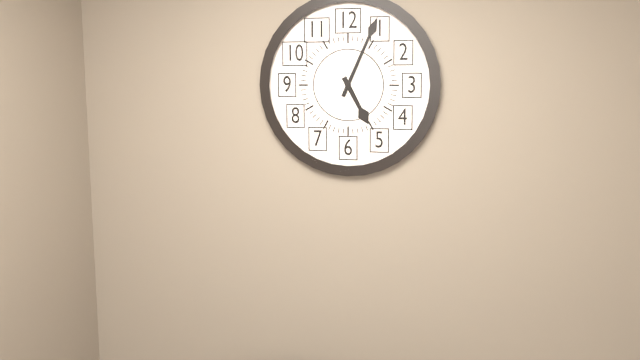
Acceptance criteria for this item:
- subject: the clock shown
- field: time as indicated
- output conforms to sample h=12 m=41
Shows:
h=5 m=4
